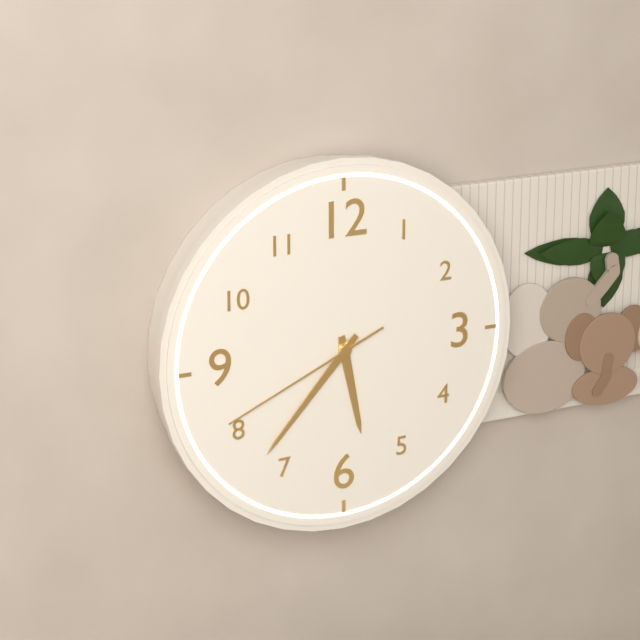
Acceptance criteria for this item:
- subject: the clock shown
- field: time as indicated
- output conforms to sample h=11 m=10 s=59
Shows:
h=5 m=37 s=41
